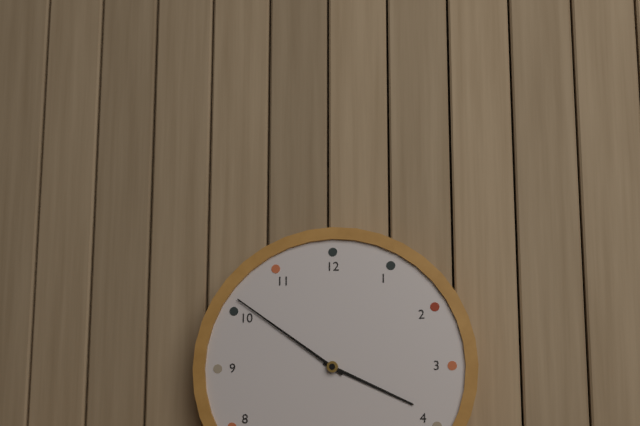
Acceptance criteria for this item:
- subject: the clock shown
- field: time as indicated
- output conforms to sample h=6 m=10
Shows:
h=3 m=51
